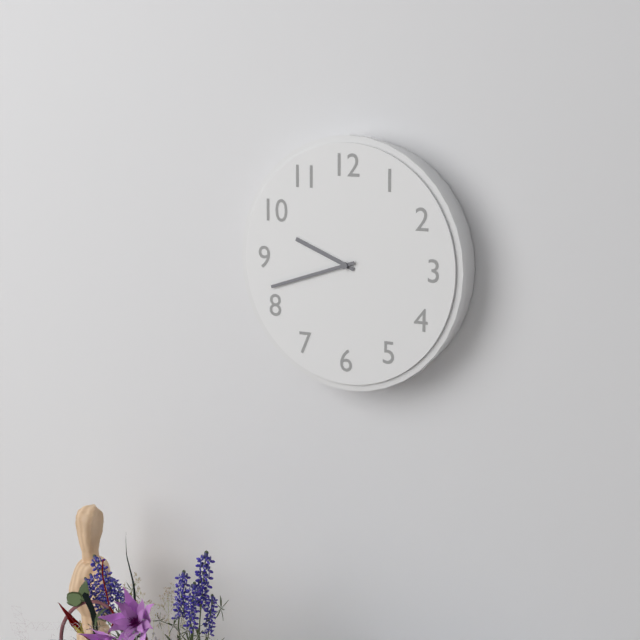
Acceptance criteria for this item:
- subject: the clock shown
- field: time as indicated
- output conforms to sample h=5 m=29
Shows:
h=9 m=42
